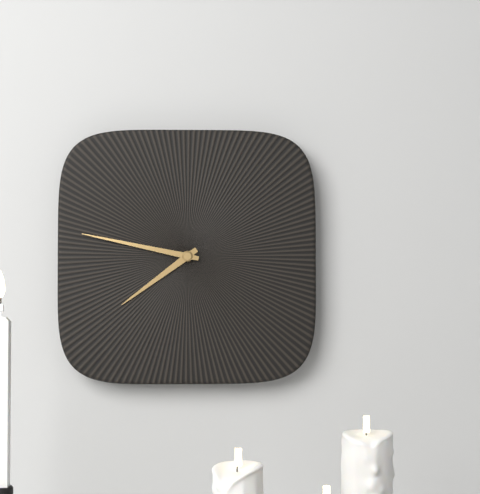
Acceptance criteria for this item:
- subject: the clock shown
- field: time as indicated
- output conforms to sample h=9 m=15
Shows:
h=7 m=47
